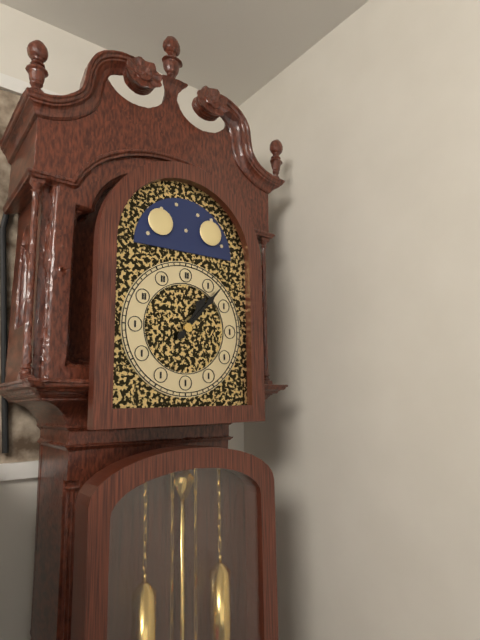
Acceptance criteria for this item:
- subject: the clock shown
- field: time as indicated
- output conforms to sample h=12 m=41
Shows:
h=1 m=7
